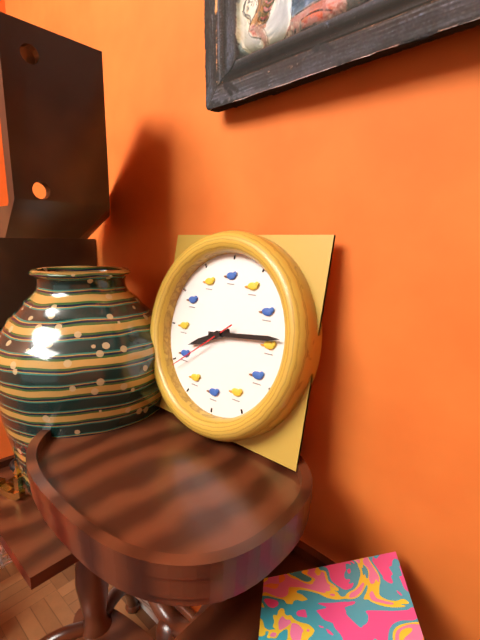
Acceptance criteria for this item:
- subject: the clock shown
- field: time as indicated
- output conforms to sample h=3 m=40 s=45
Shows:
h=8 m=14 s=39
